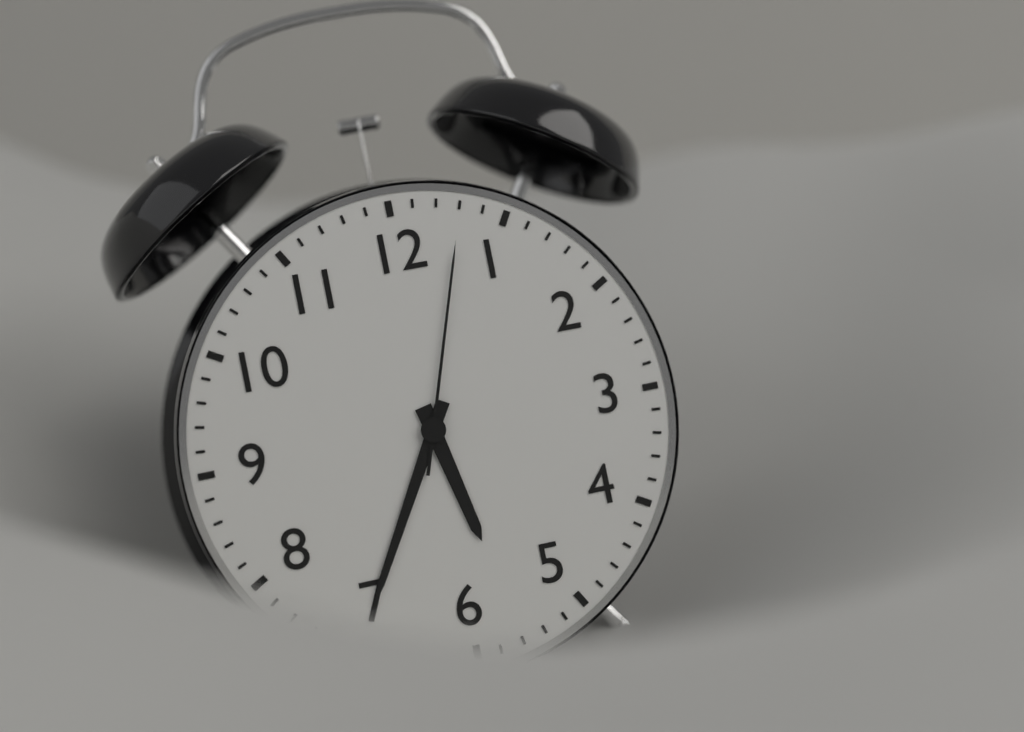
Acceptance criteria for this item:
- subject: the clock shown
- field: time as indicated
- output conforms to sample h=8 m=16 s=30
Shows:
h=5 m=35 s=3
